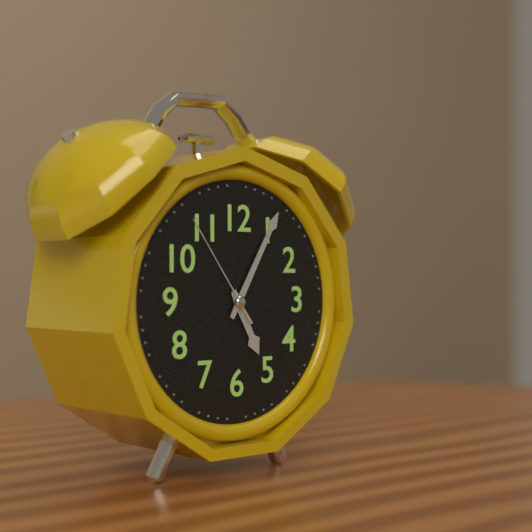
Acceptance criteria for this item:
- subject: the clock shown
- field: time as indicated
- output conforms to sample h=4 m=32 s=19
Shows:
h=5 m=5 s=54
